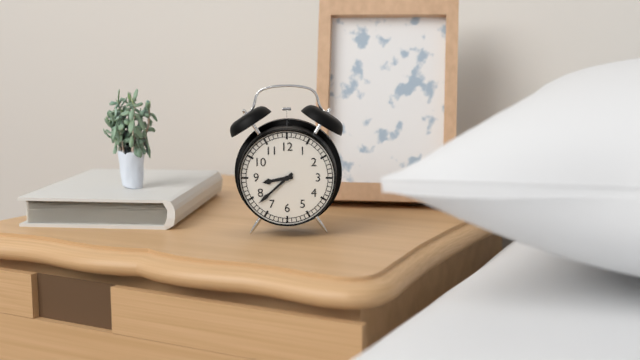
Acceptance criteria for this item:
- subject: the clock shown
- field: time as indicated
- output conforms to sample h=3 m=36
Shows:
h=8 m=38
